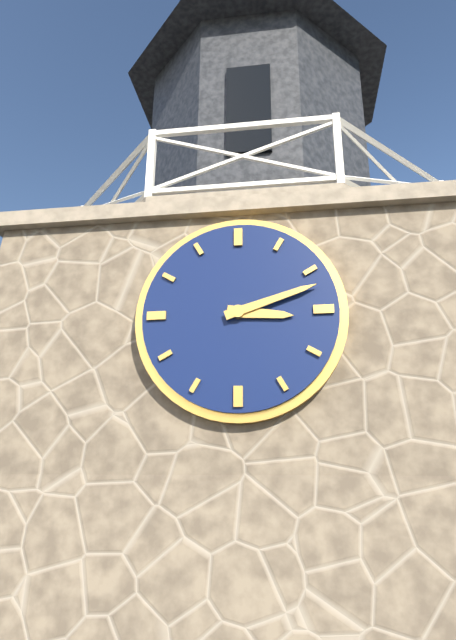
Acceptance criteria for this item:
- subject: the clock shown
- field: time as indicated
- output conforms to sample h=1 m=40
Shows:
h=3 m=12
